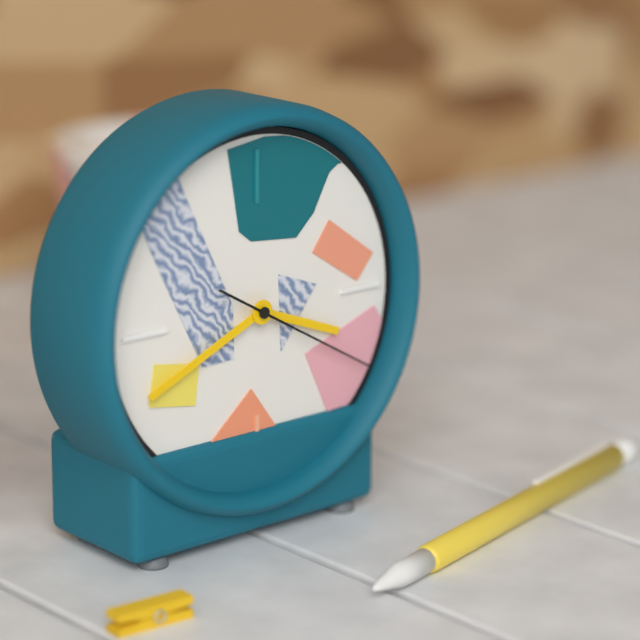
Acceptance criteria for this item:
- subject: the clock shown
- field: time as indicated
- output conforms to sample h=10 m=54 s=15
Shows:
h=3 m=41 s=20
